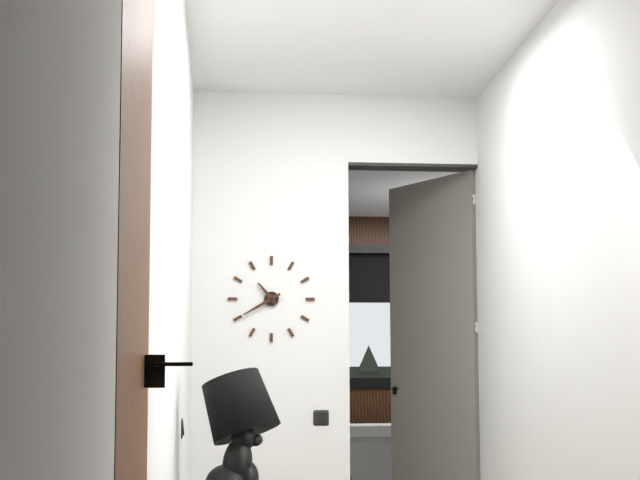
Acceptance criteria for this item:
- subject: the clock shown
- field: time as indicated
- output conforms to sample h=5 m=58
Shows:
h=10 m=40
